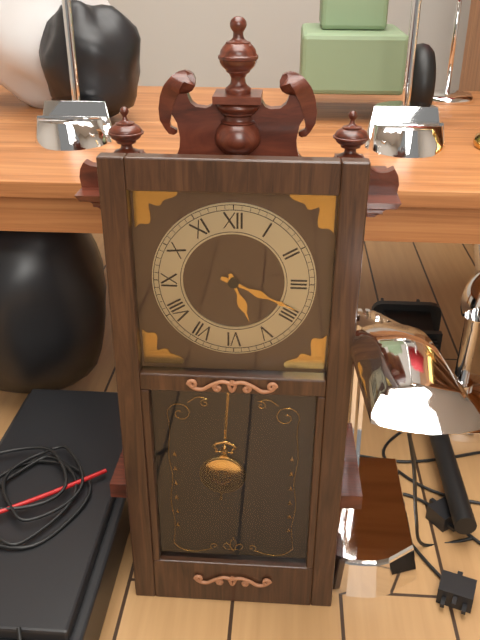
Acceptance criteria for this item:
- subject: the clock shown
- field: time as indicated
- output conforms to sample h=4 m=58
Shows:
h=5 m=19
